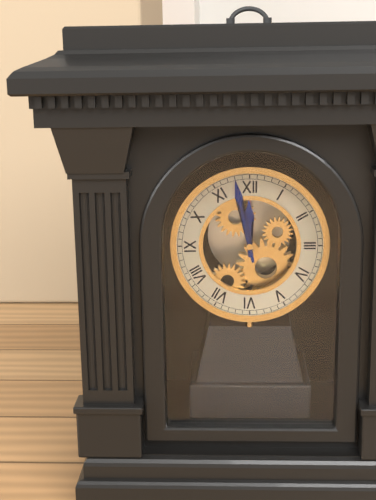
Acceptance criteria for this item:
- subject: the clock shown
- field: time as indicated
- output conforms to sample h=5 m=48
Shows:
h=11 m=58
